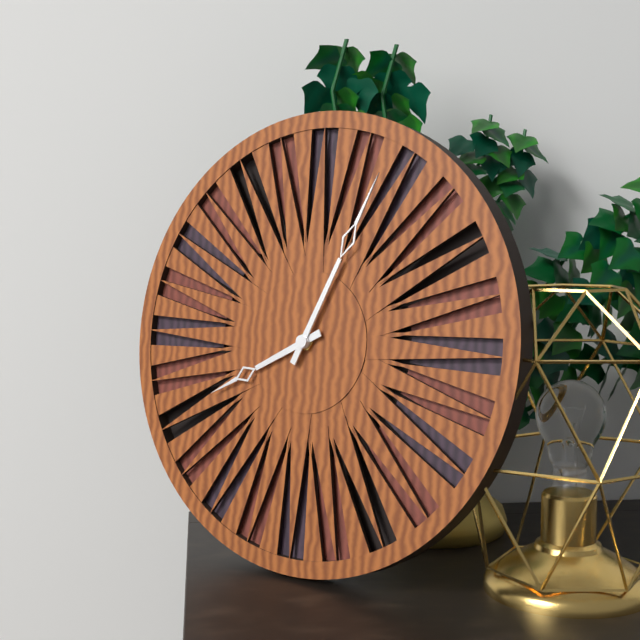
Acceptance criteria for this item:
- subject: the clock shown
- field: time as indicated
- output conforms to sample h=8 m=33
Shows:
h=8 m=4
